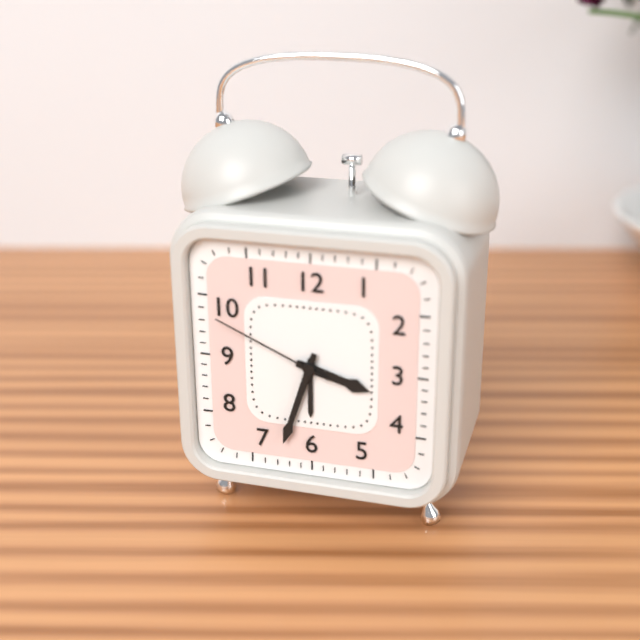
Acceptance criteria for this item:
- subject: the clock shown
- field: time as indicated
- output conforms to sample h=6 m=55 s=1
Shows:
h=3 m=33 s=49
